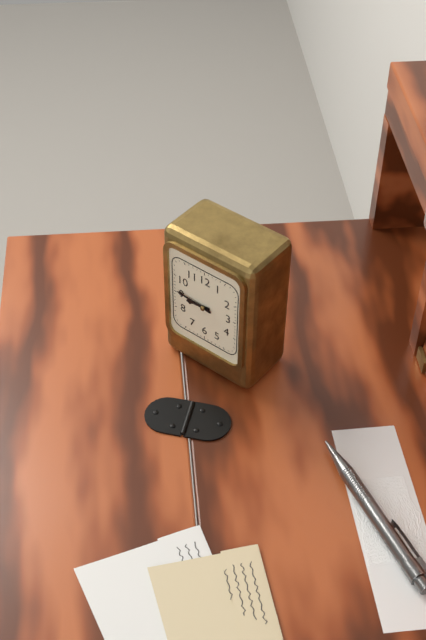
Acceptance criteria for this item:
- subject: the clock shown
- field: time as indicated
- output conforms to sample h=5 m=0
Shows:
h=8 m=46
